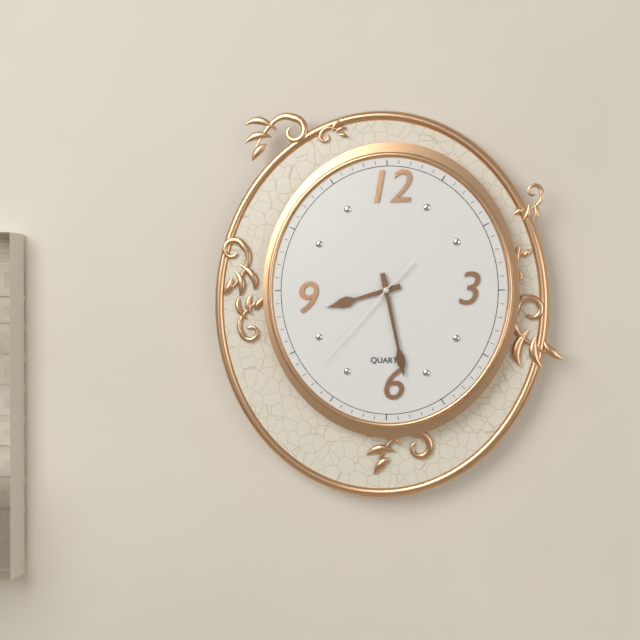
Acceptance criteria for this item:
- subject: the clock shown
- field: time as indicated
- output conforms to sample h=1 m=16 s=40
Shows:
h=8 m=28 s=37
